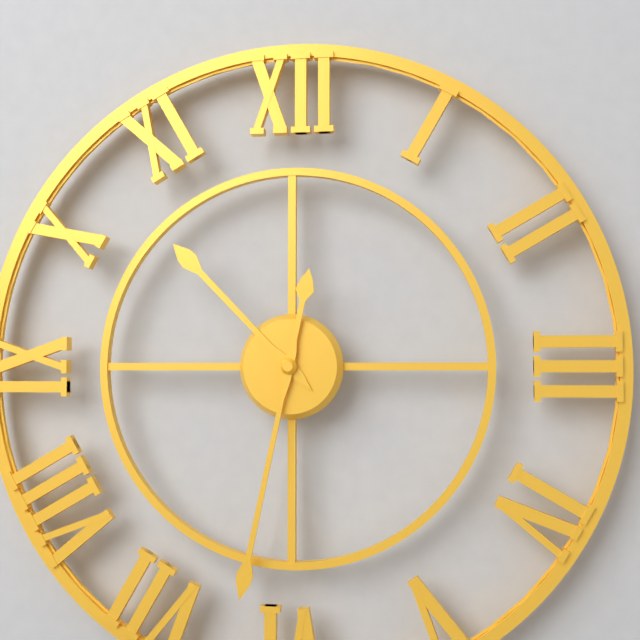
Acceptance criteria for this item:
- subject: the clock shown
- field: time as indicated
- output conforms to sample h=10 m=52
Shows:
h=10 m=32
